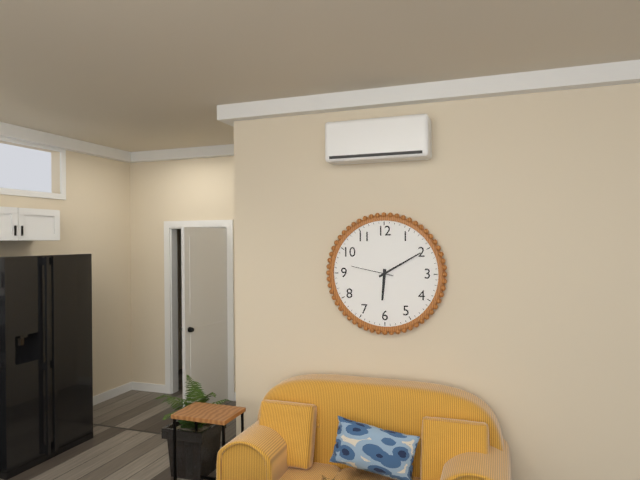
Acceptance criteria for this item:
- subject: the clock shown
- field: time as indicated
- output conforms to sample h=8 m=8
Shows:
h=6 m=10
